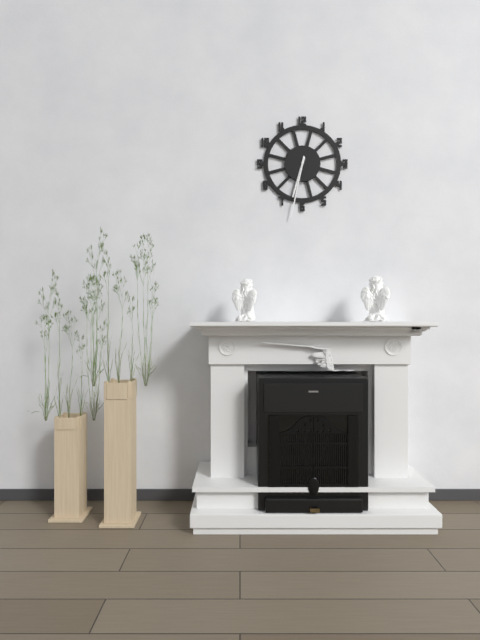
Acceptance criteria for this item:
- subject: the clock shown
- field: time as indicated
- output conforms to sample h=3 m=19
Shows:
h=6 m=32
